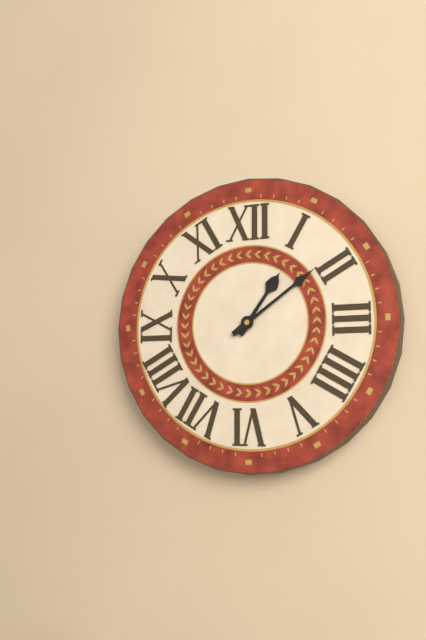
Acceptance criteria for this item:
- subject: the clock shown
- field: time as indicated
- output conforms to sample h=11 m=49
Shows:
h=1 m=9
